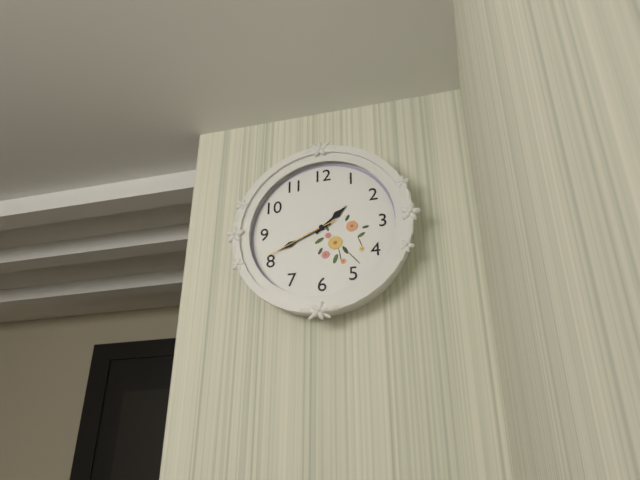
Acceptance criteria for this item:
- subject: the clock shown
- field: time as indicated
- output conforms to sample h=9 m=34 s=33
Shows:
h=1 m=41 s=41
